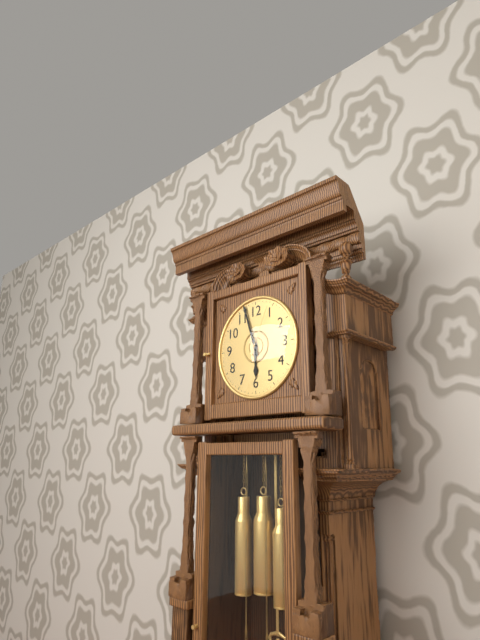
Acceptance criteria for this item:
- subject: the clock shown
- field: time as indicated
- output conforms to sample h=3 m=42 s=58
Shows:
h=5 m=57 s=4
